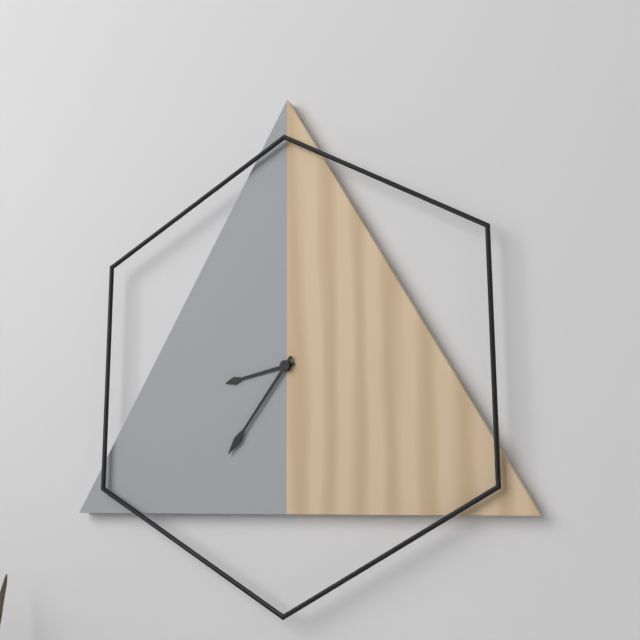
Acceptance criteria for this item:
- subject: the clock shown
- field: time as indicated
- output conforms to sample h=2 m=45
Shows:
h=8 m=36
